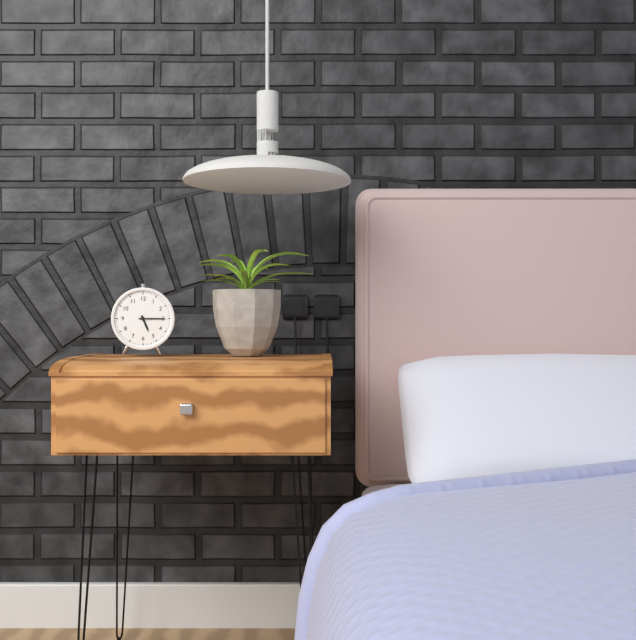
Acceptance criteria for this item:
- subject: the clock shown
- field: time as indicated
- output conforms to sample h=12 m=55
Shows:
h=5 m=15
